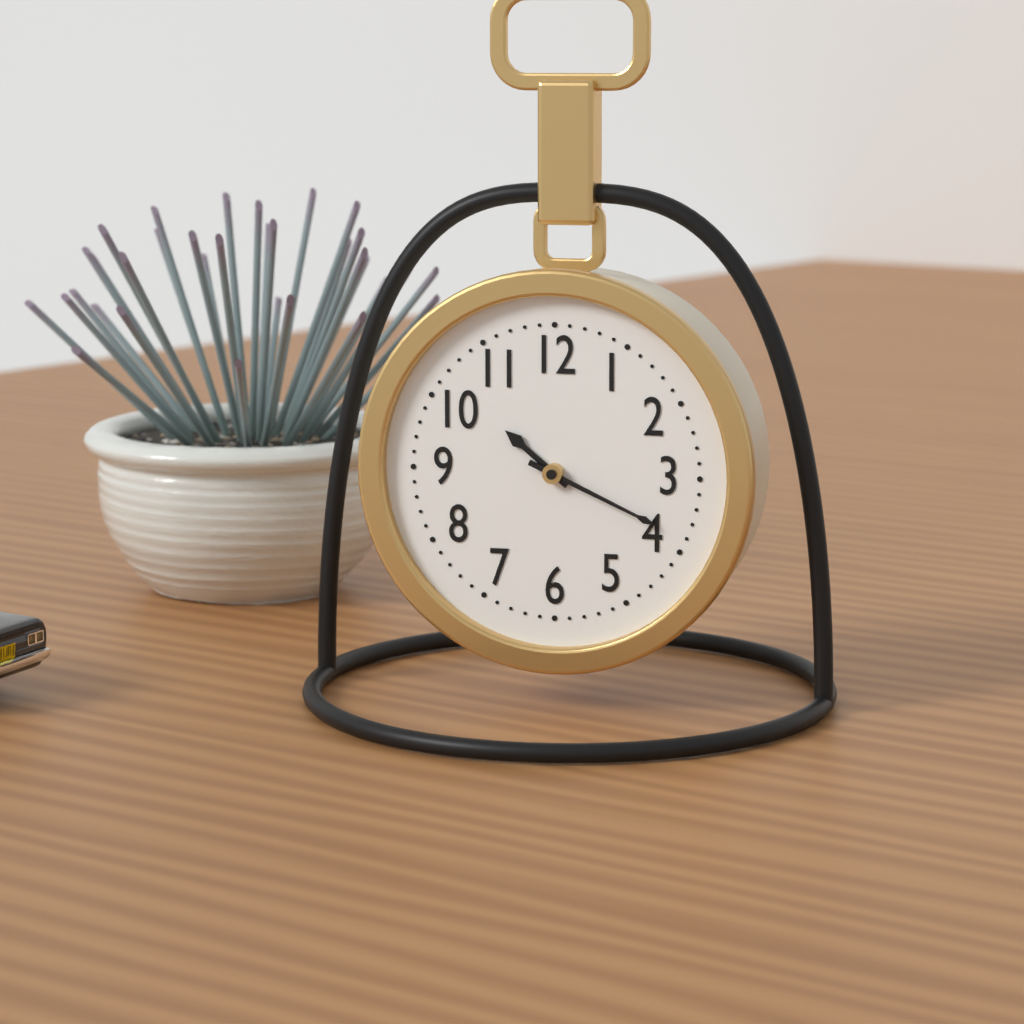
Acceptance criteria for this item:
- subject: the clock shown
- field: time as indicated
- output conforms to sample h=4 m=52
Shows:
h=10 m=19
